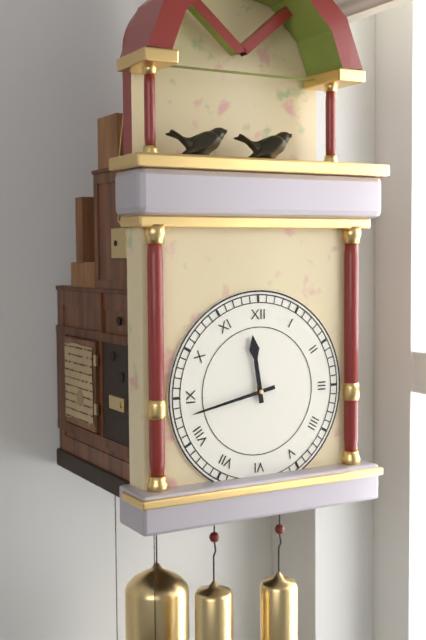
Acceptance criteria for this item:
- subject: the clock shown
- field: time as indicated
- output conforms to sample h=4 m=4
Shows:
h=11 m=43
